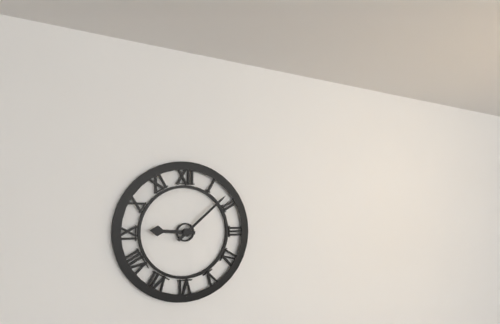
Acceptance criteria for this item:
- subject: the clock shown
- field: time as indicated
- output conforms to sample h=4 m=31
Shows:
h=9 m=8
